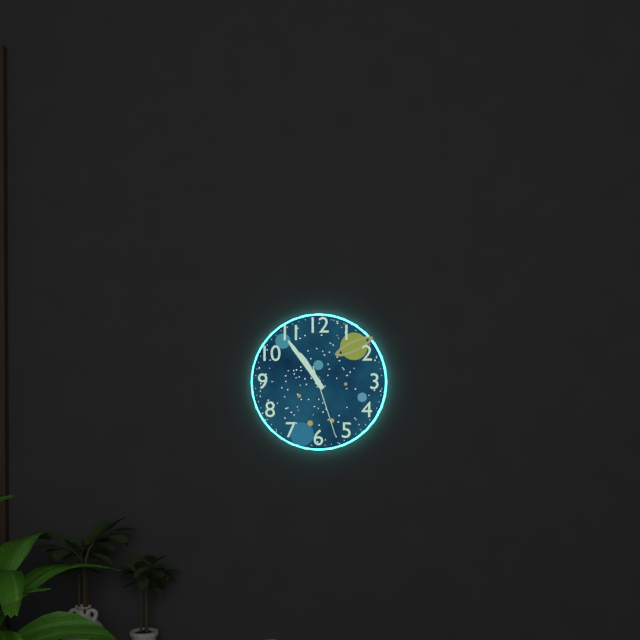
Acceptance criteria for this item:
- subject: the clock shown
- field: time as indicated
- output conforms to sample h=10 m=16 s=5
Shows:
h=10 m=54 s=27
